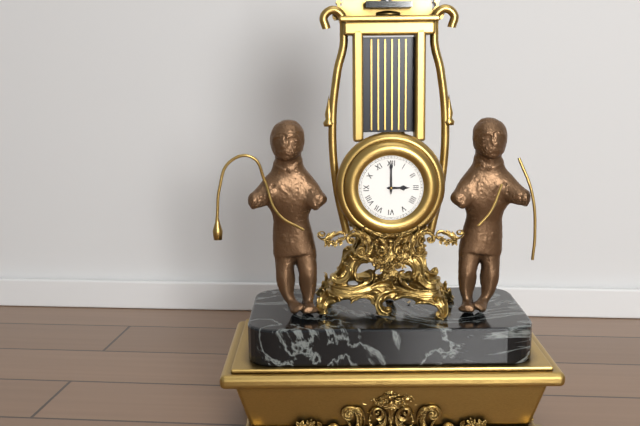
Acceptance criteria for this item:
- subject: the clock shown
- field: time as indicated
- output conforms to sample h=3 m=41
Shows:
h=3 m=0
